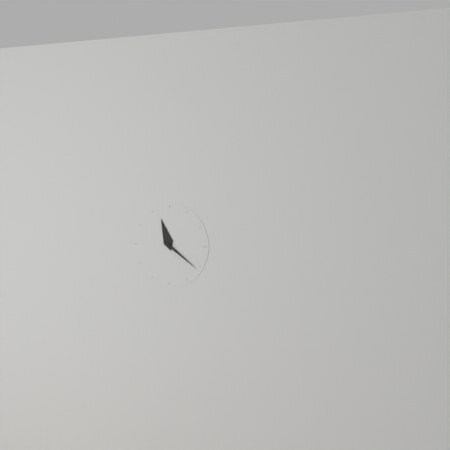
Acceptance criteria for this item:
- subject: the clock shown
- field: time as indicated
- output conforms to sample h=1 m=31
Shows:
h=11 m=21
